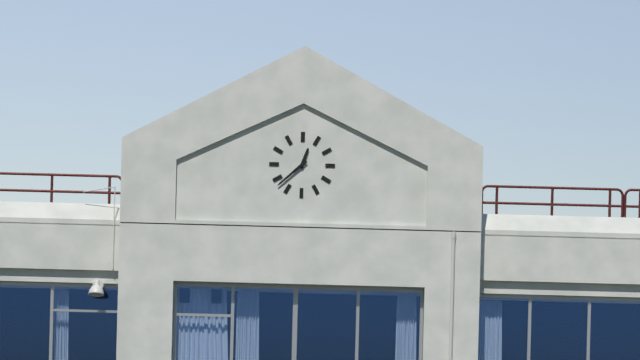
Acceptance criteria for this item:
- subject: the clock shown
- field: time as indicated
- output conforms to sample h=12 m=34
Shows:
h=12 m=38
